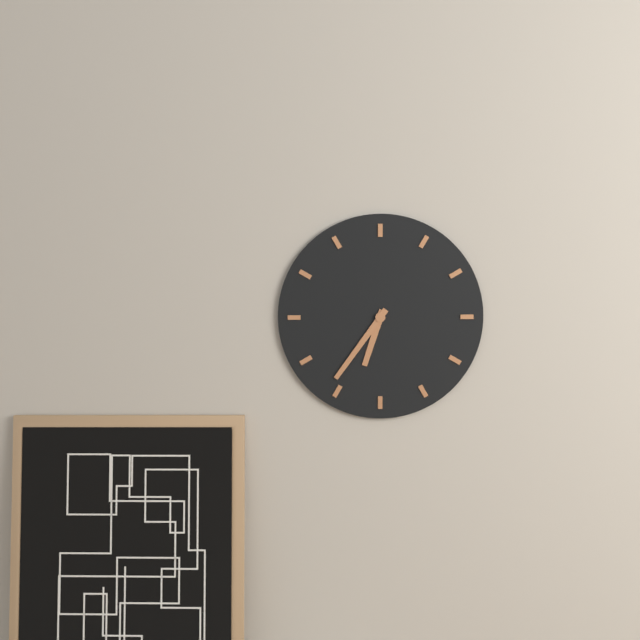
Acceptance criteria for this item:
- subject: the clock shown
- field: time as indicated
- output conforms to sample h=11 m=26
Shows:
h=6 m=36
